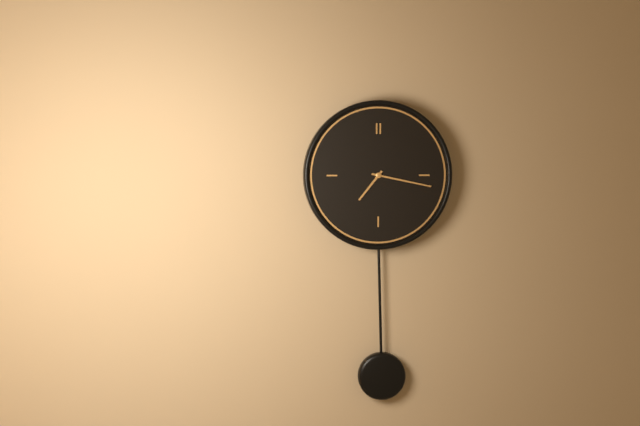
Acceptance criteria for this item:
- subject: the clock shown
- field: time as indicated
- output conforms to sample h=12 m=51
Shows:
h=7 m=17
